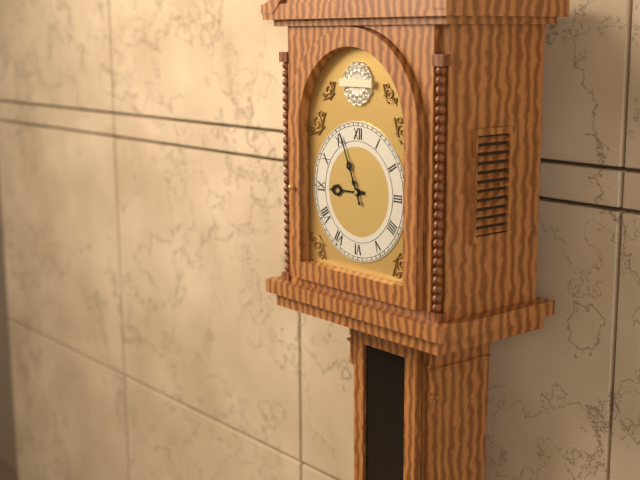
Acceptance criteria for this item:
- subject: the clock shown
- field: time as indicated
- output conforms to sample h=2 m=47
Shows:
h=8 m=56
